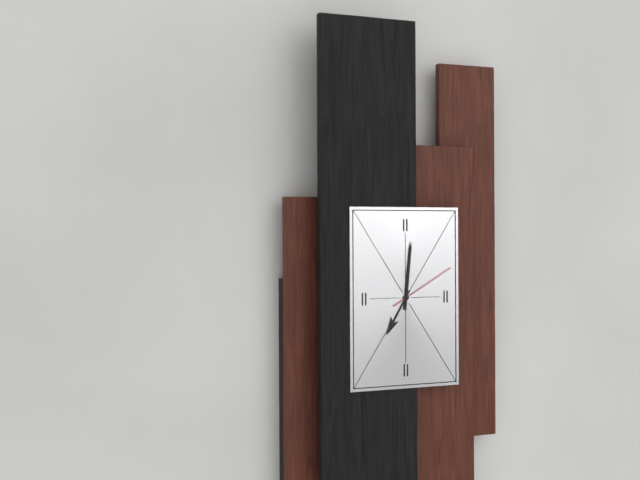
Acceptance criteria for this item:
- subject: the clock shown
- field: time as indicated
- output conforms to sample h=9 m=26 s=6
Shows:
h=7 m=1 s=10
